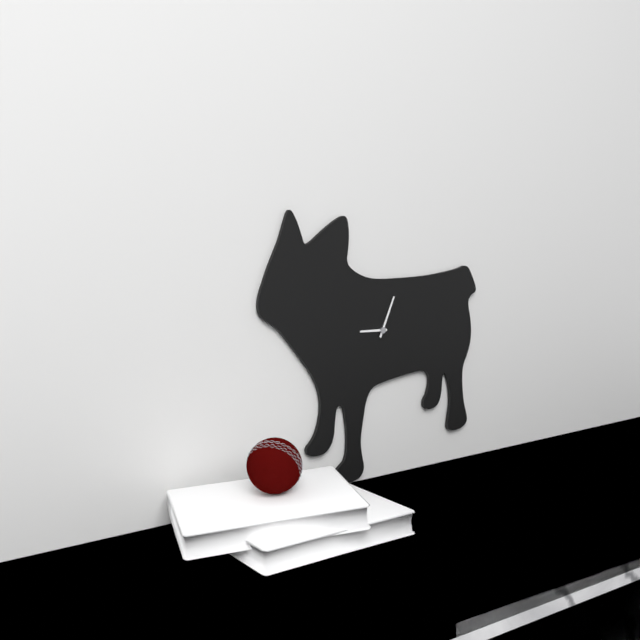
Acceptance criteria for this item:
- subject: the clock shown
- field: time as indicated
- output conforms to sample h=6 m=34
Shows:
h=9 m=4
